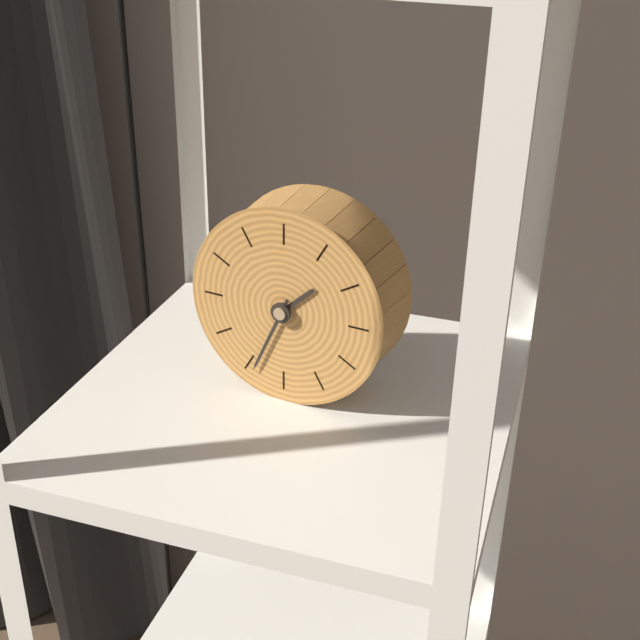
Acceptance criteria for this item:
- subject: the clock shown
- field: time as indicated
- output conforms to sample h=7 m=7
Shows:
h=1 m=34
